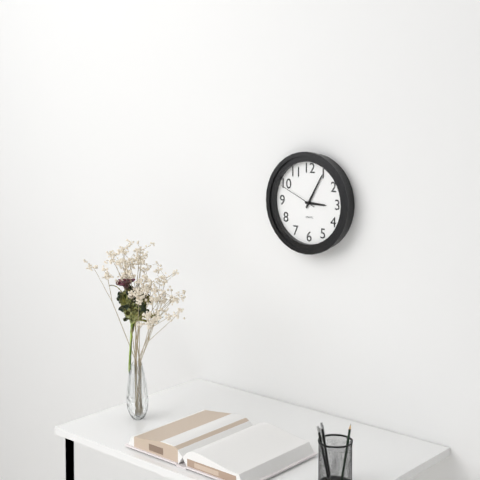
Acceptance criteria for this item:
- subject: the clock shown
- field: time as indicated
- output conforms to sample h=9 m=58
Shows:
h=3 m=5
